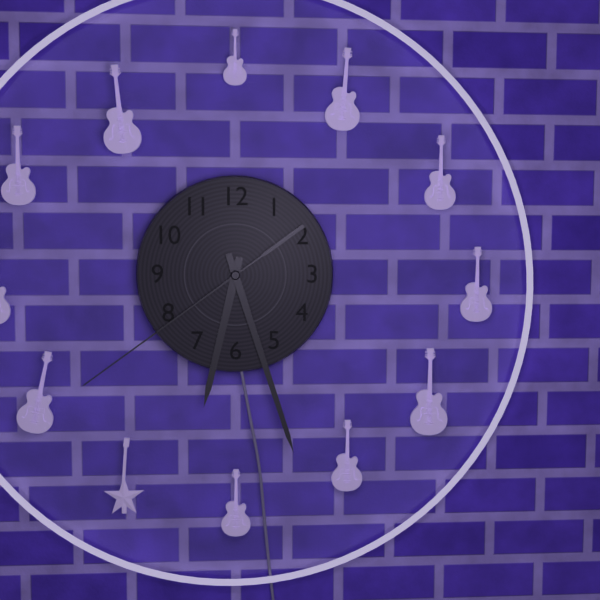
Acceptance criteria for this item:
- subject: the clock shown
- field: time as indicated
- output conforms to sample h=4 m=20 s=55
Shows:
h=6 m=27 s=39
